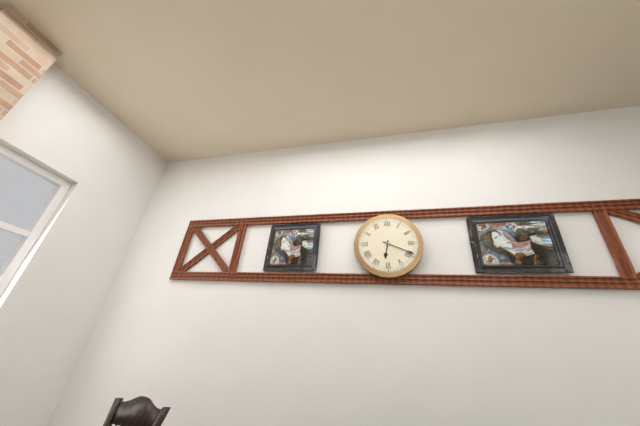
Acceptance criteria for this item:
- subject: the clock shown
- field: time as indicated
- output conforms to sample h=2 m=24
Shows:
h=6 m=19
